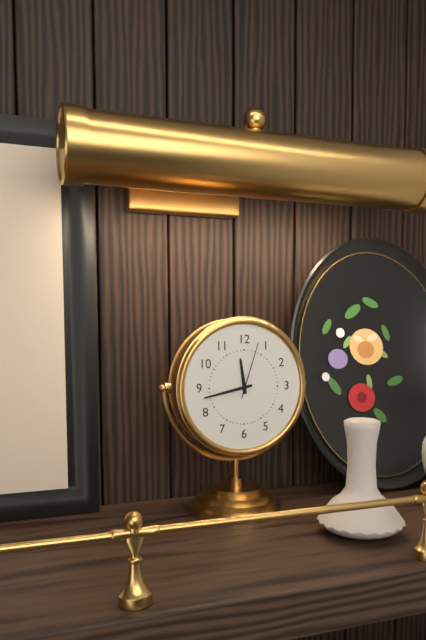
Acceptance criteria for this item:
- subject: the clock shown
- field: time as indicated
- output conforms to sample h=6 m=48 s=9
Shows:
h=11 m=43 s=3
